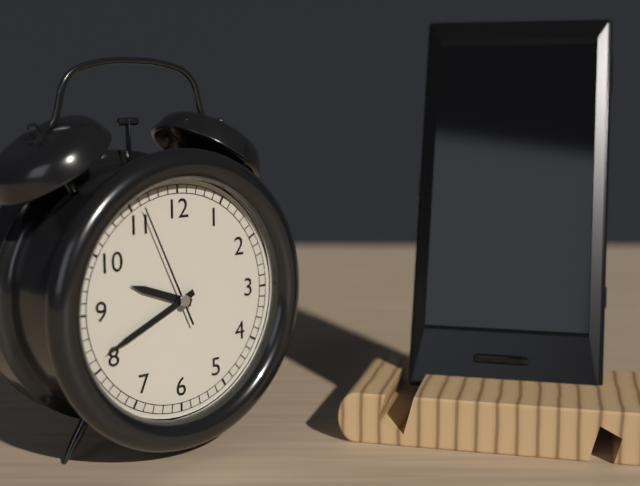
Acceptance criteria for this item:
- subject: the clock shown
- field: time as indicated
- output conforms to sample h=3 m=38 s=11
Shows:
h=9 m=41 s=56
